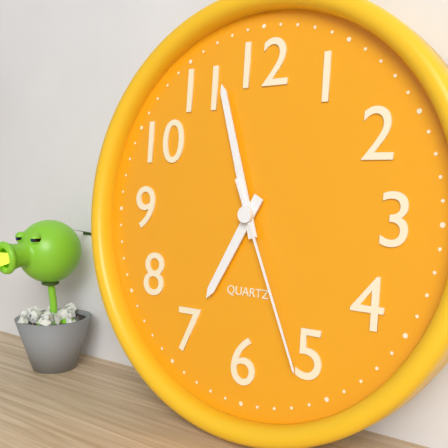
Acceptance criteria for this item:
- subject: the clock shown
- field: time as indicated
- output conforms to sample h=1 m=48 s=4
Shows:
h=6 m=57 s=26
